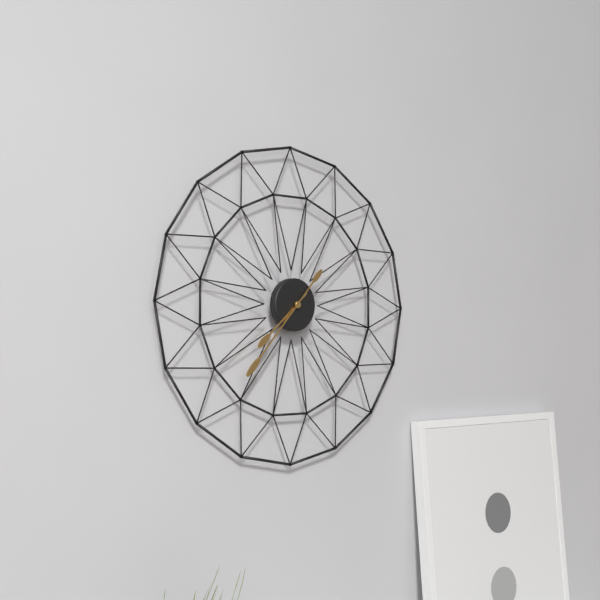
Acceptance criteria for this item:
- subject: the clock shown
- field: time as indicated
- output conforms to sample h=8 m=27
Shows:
h=7 m=37
